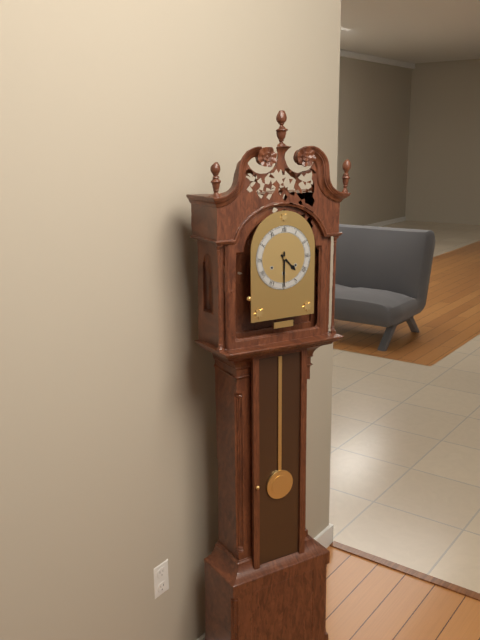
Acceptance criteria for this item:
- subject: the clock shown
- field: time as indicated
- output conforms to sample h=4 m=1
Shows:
h=4 m=30
